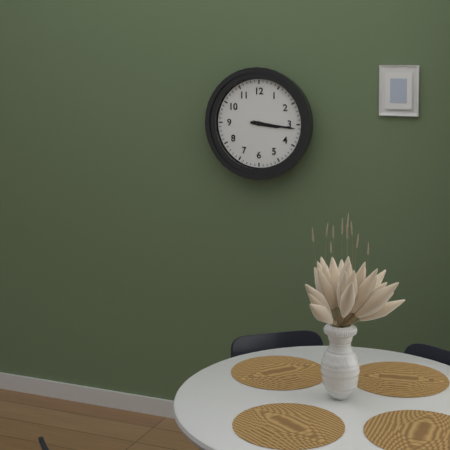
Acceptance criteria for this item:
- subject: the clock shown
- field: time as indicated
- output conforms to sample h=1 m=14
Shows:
h=3 m=16
